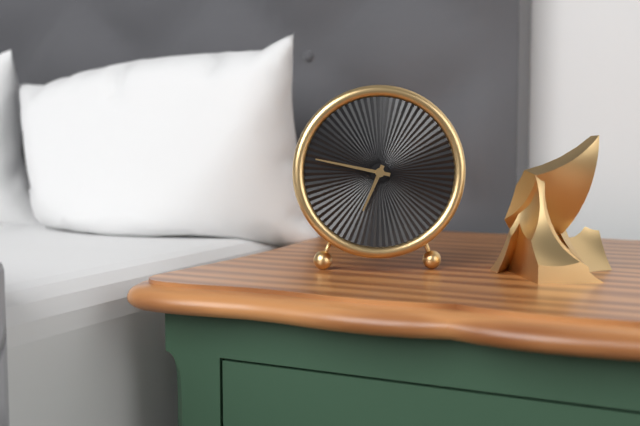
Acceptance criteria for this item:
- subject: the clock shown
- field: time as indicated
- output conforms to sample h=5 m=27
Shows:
h=6 m=47
